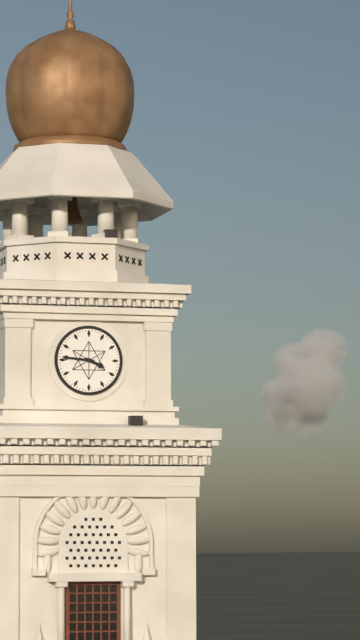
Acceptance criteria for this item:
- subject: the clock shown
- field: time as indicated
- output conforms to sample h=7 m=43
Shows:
h=3 m=46
